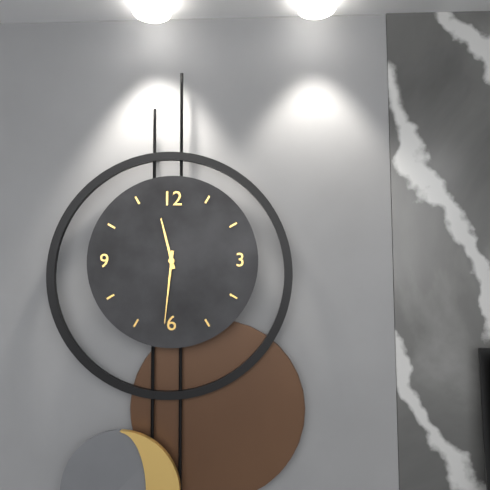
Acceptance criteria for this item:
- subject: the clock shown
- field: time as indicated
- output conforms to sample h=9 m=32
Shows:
h=11 m=31
